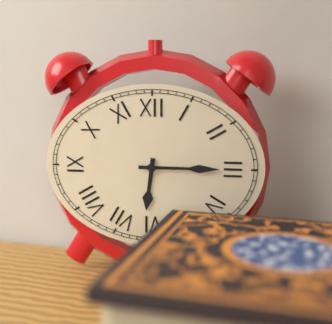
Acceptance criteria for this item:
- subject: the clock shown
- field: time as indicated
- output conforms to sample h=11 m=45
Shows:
h=6 m=15
